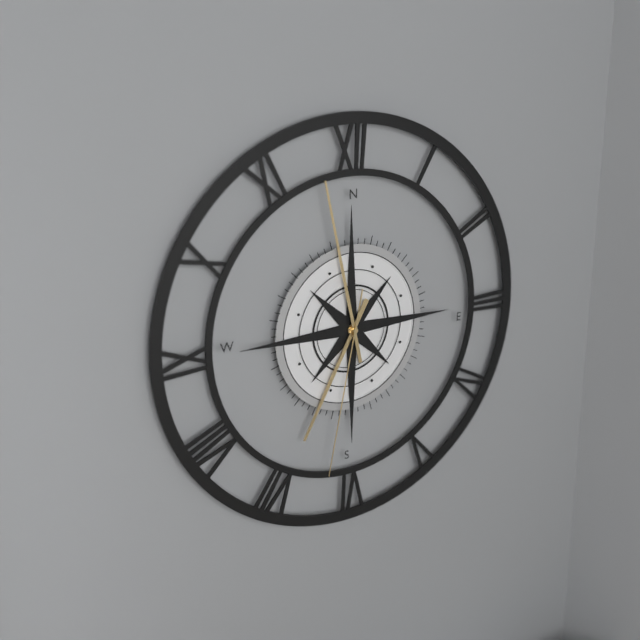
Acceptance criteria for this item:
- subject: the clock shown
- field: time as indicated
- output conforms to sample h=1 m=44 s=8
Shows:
h=6 m=58 s=32
